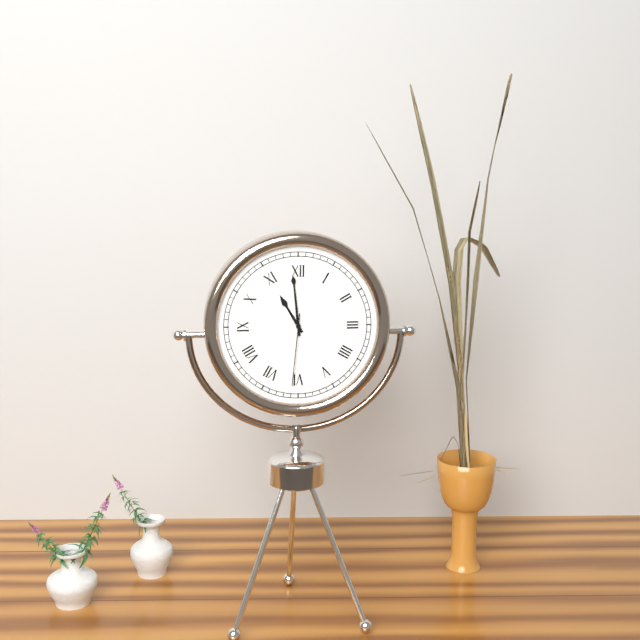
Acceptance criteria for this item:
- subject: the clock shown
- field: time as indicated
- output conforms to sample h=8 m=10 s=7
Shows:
h=10 m=59 s=31
